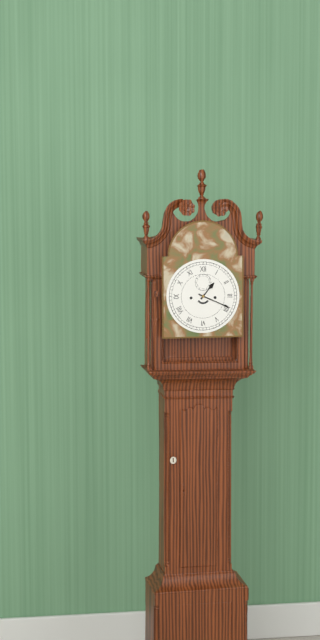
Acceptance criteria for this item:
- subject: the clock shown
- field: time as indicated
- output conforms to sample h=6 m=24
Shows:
h=1 m=19
